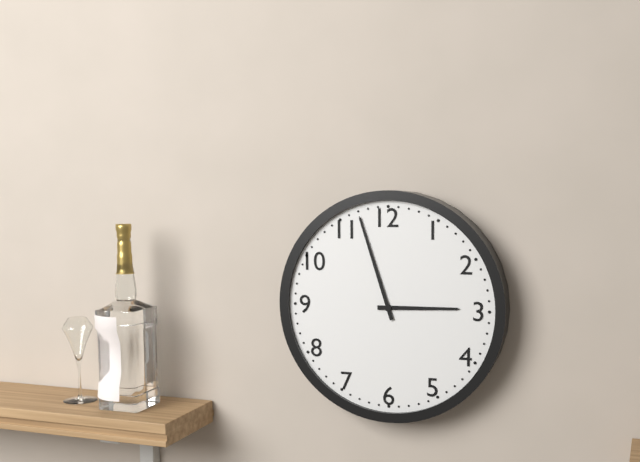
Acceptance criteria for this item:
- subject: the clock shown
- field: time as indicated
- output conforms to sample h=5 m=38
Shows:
h=2 m=57
